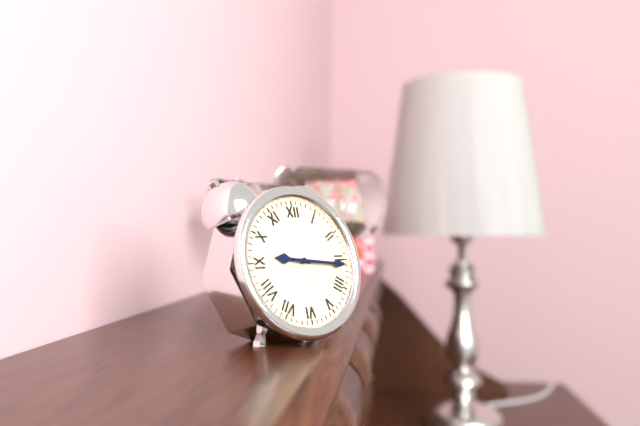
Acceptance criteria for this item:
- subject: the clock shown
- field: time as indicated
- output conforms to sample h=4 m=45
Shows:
h=9 m=16
